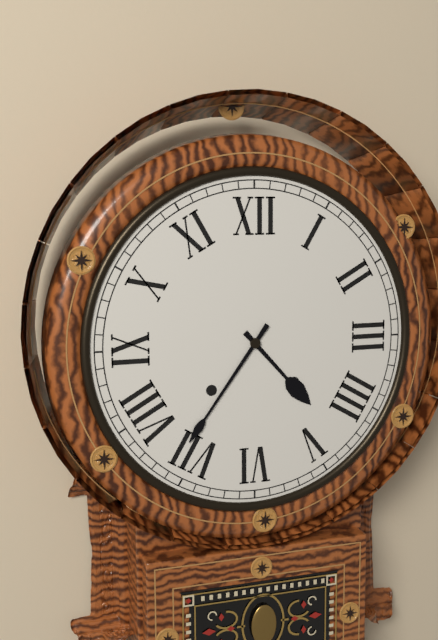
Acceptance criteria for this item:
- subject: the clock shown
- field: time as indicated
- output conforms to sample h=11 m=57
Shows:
h=4 m=36
